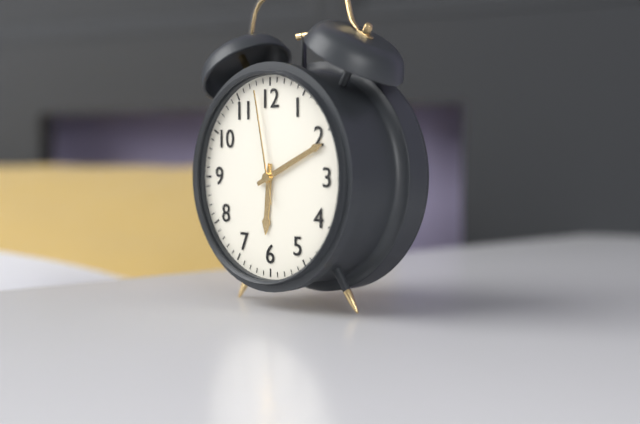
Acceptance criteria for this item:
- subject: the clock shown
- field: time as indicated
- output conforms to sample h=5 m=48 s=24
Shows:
h=6 m=11 s=58
